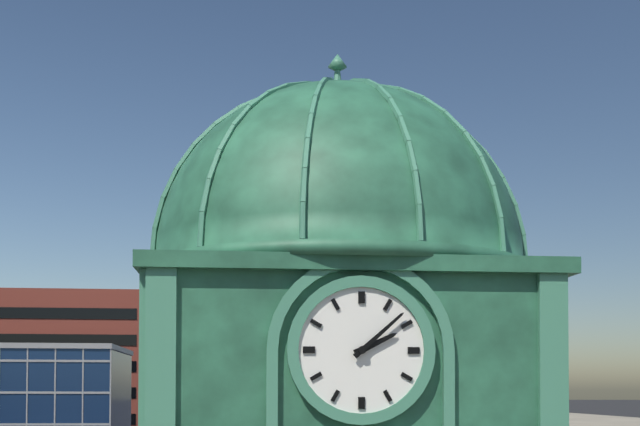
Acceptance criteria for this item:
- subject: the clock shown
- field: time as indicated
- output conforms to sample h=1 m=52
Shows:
h=2 m=8
